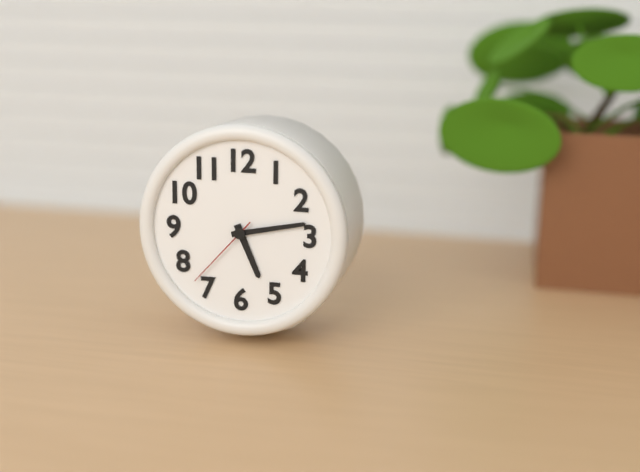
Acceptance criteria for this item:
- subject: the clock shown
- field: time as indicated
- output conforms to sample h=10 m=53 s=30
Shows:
h=5 m=13 s=37
